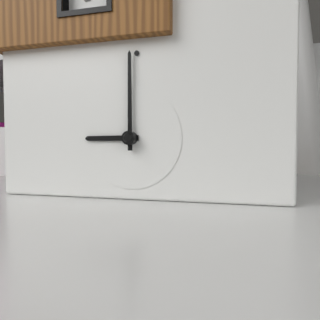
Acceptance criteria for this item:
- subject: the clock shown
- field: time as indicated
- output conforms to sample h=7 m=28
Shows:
h=9 m=0
